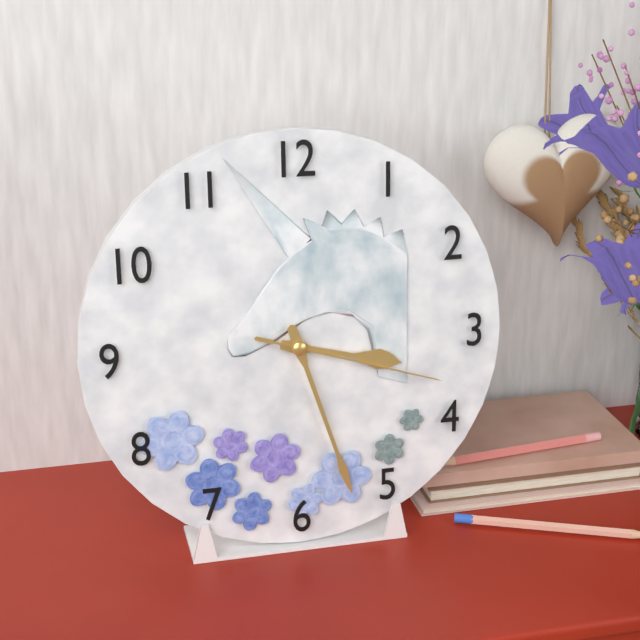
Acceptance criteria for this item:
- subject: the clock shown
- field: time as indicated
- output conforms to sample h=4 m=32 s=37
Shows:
h=3 m=27 s=18
